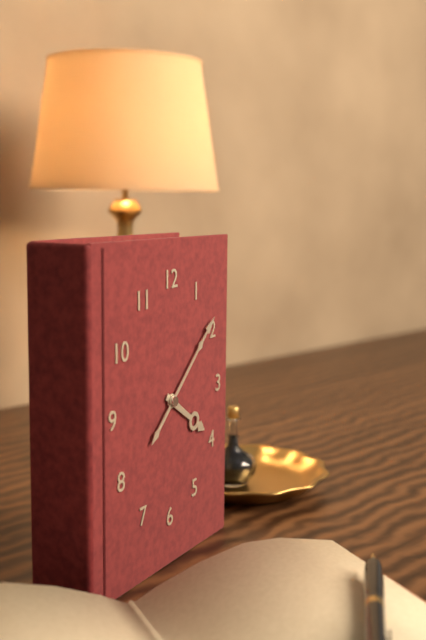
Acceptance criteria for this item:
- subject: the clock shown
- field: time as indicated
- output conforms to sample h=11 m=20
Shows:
h=4 m=8
